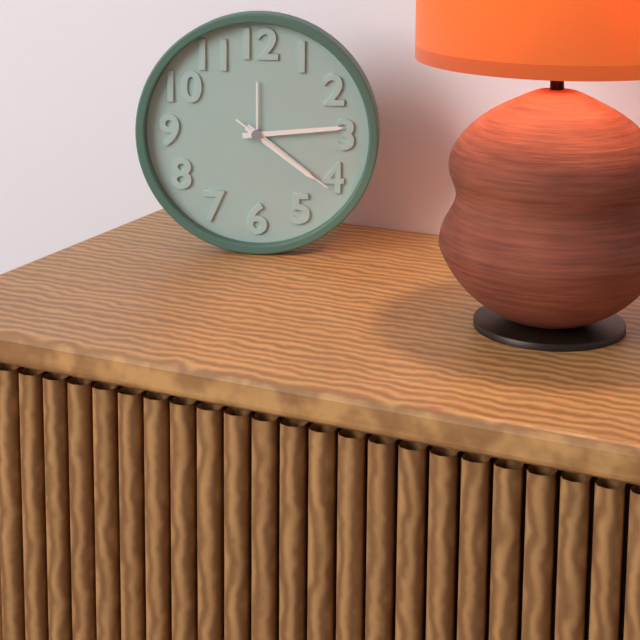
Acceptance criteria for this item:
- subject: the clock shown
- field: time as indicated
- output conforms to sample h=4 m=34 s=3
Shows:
h=4 m=14 s=21
